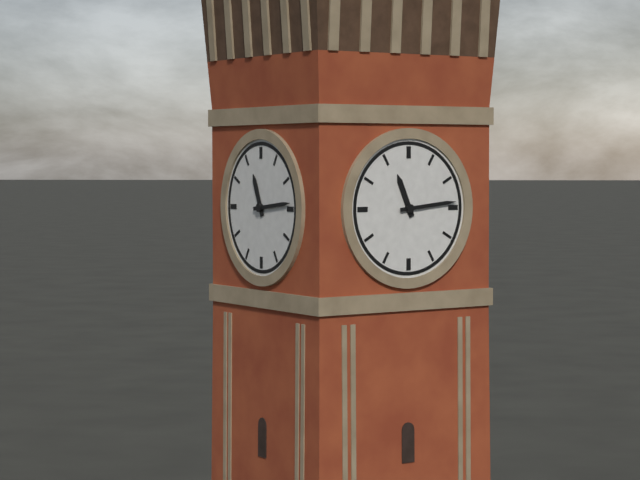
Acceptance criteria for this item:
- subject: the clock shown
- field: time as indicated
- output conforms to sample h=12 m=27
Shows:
h=11 m=14
